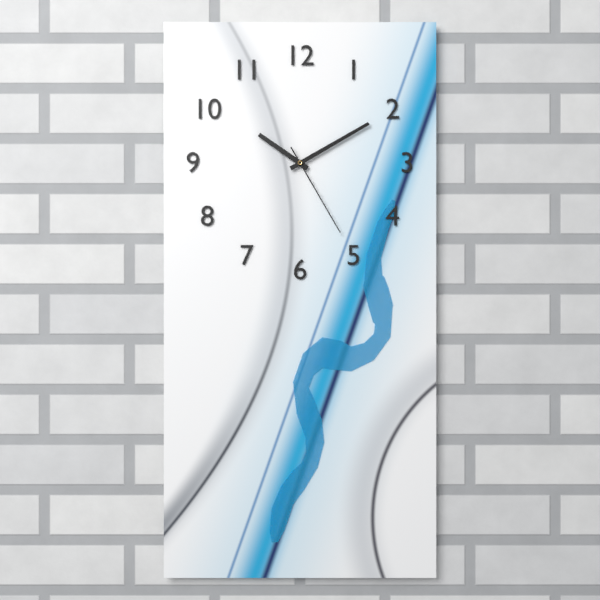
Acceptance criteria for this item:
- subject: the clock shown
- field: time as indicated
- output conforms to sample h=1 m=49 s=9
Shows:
h=10 m=10 s=25
